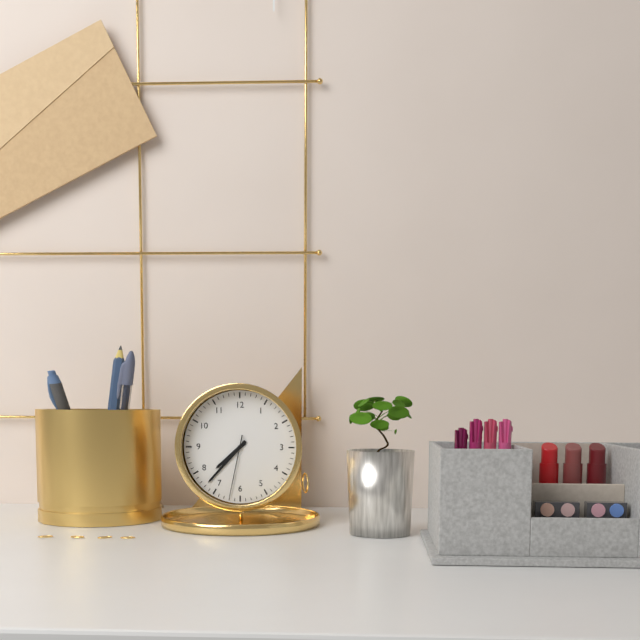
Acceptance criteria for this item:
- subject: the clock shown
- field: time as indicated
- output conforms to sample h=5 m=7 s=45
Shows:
h=7 m=37 s=32
